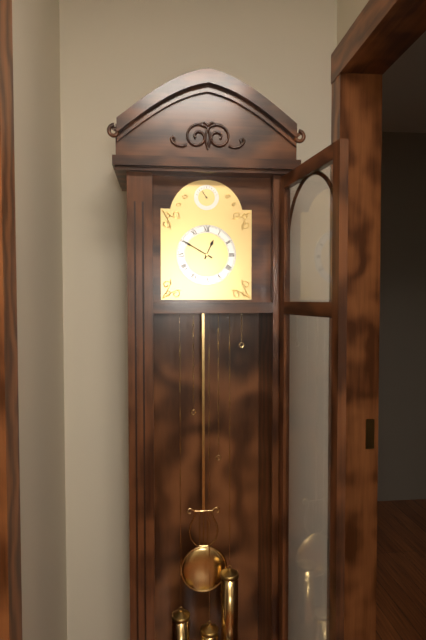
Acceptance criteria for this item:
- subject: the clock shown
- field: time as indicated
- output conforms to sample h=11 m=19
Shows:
h=12 m=50
